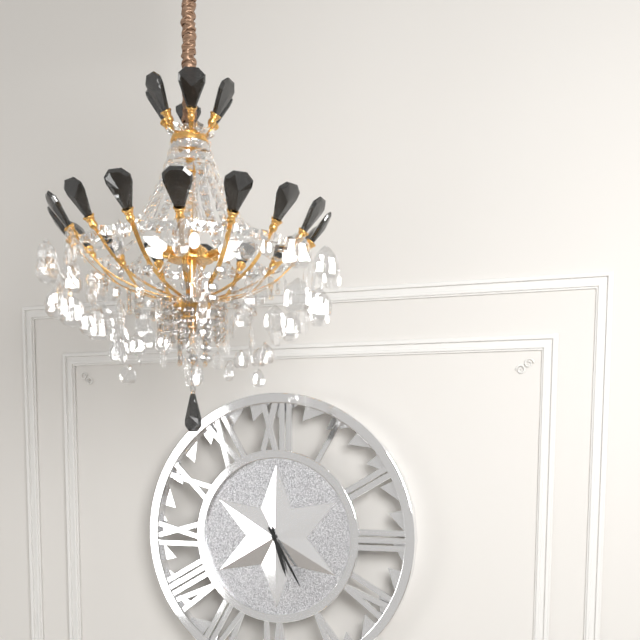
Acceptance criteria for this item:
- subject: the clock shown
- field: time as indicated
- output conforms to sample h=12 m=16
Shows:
h=5 m=25
